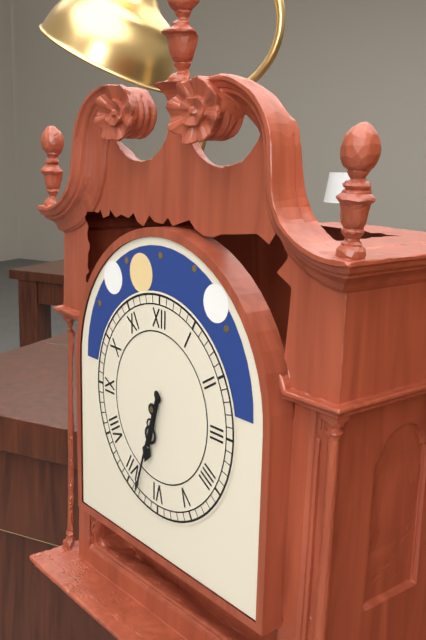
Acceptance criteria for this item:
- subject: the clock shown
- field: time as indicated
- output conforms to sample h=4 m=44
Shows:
h=6 m=33
